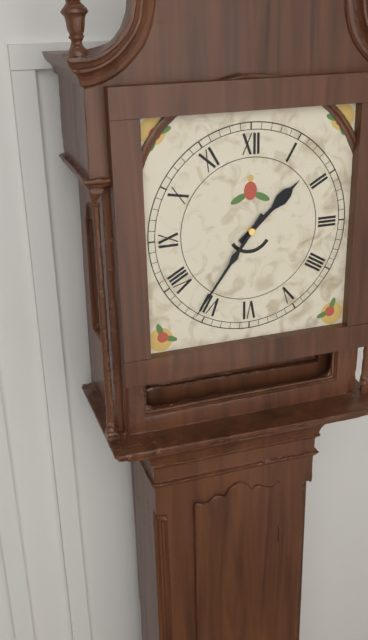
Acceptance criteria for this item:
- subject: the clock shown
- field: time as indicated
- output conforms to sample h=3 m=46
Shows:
h=1 m=36
